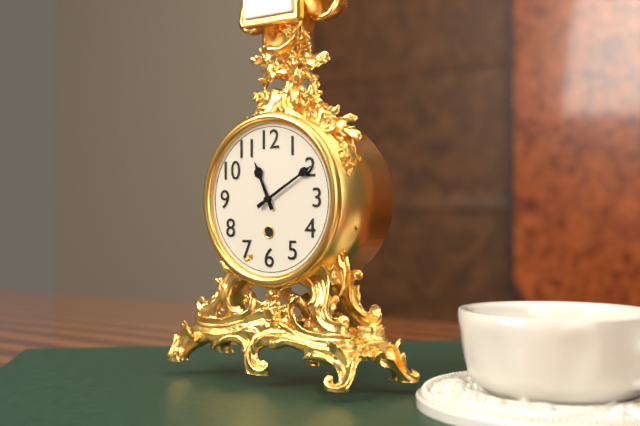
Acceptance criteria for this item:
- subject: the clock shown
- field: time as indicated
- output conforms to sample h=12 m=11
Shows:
h=11 m=10
